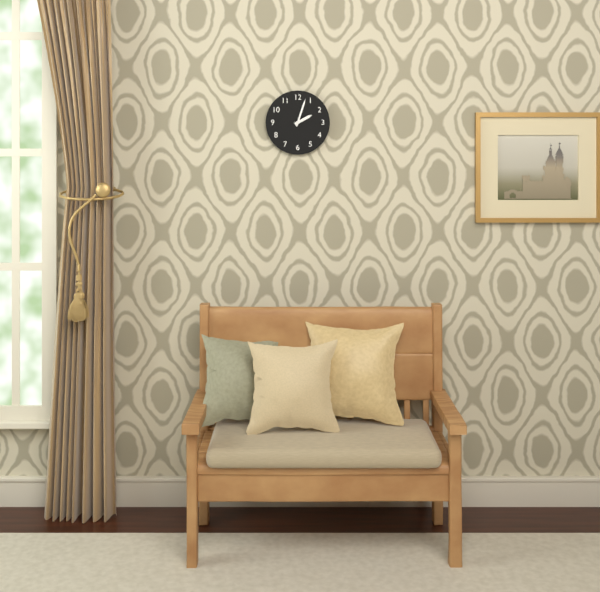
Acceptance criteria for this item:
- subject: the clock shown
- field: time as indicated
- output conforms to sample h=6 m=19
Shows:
h=2 m=3
